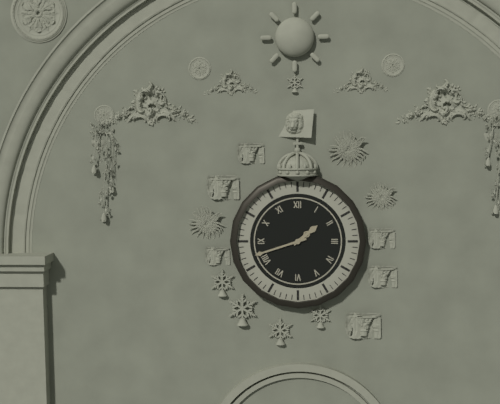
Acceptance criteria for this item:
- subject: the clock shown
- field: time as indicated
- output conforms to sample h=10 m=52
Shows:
h=1 m=42
